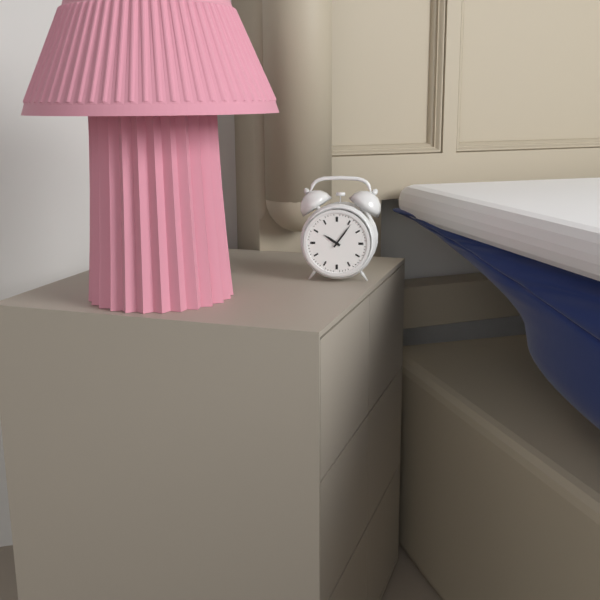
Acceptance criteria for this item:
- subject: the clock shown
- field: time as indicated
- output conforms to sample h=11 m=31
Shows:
h=10 m=6
